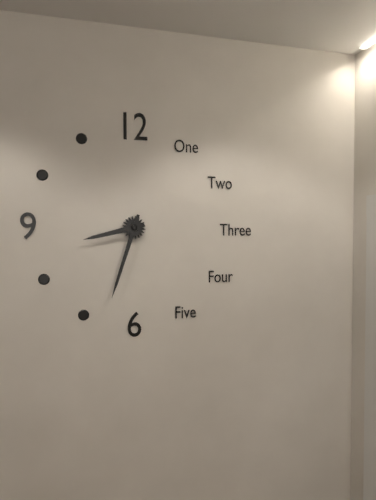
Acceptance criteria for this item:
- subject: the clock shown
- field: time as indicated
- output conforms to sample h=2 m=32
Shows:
h=8 m=33
